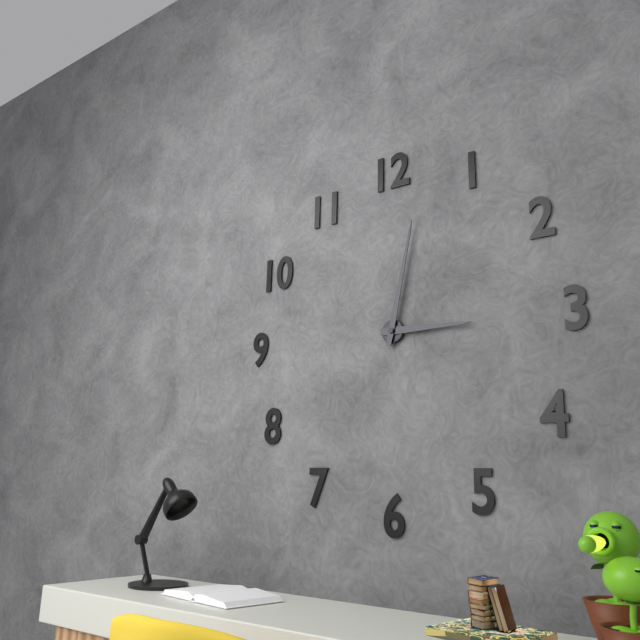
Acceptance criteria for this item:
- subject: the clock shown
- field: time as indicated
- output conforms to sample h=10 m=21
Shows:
h=3 m=2
